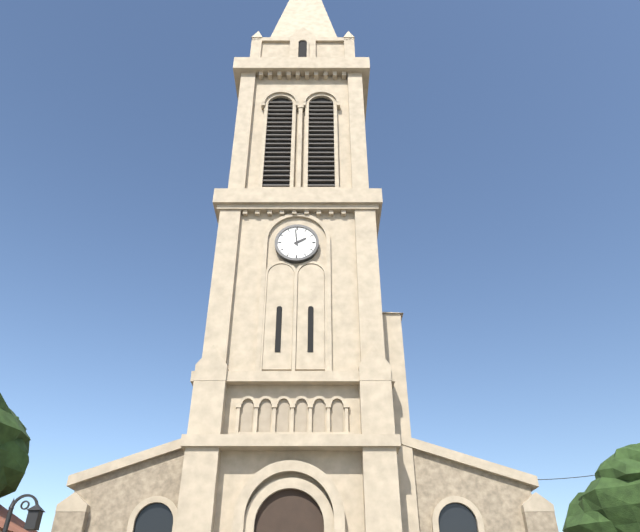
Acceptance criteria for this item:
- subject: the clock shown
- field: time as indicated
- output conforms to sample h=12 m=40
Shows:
h=1 m=59
